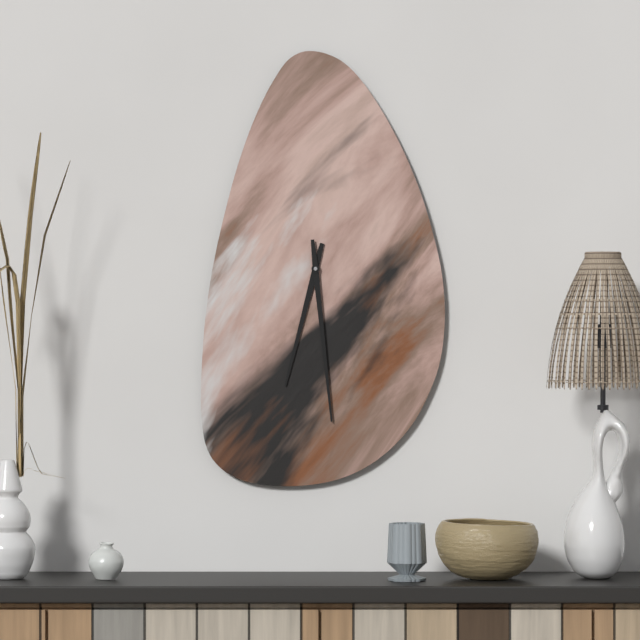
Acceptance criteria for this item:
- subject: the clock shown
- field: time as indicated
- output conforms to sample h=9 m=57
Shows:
h=6 m=29
